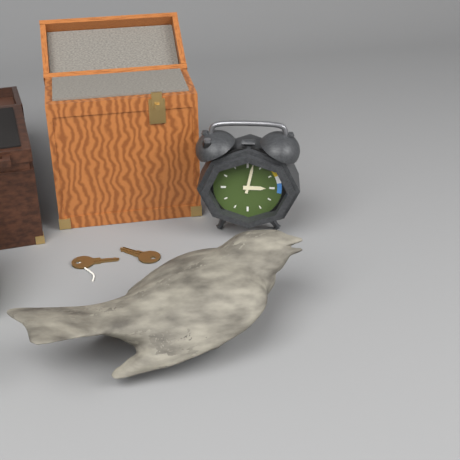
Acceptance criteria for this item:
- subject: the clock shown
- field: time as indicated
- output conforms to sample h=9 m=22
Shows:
h=3 m=2
